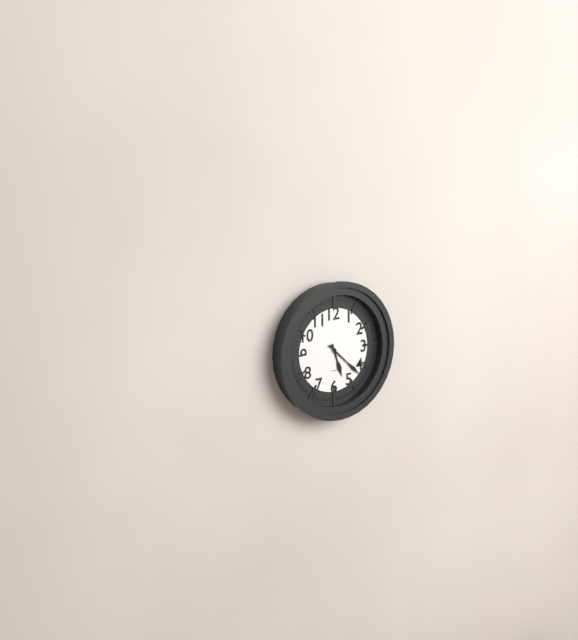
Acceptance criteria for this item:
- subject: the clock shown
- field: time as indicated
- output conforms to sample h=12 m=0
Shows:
h=5 m=22
